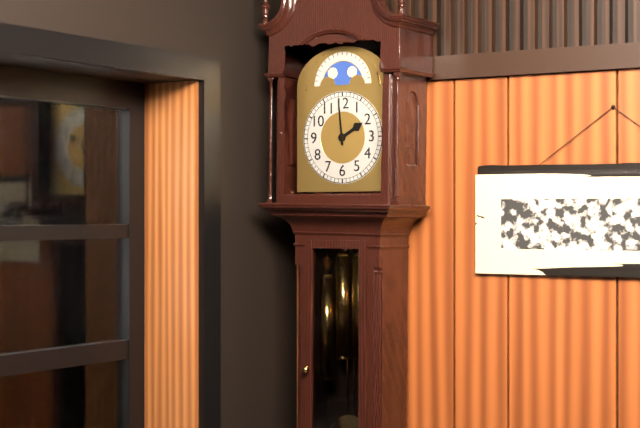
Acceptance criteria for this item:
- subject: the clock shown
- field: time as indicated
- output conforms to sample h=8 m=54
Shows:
h=1 m=59
